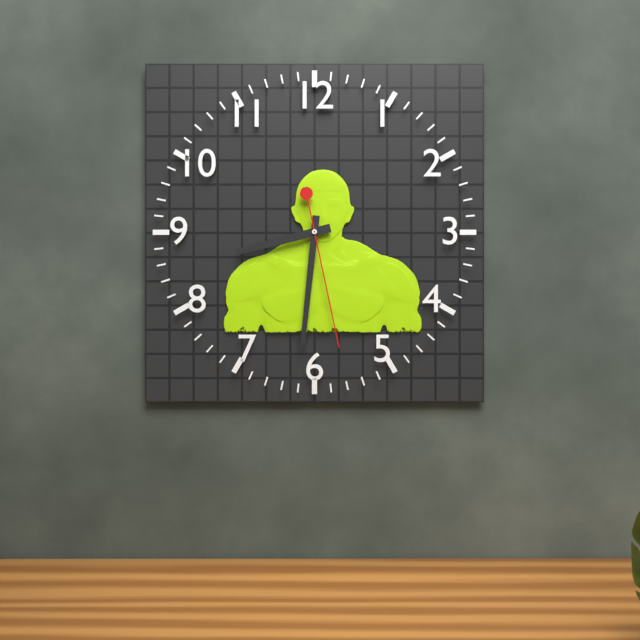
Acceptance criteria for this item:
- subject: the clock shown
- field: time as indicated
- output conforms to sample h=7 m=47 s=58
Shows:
h=8 m=31 s=28
